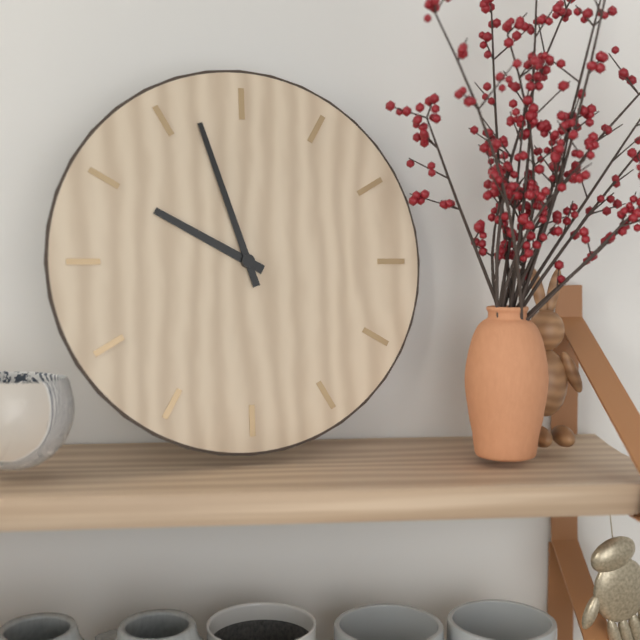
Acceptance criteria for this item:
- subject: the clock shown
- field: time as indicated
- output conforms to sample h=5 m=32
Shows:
h=9 m=57
